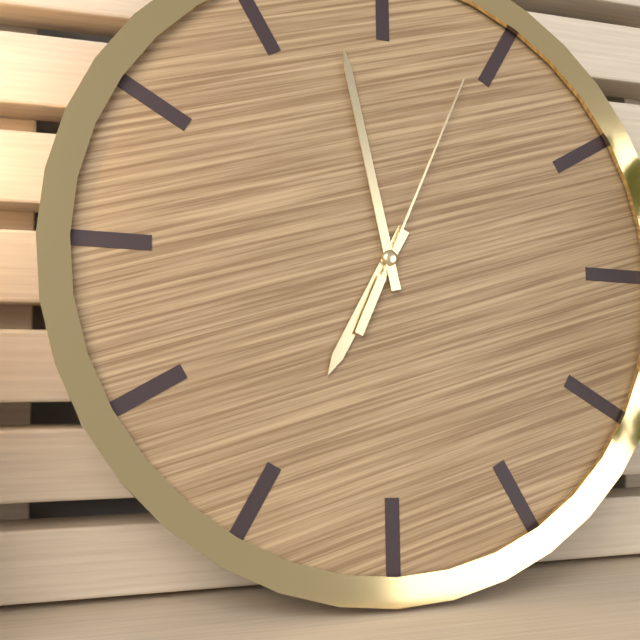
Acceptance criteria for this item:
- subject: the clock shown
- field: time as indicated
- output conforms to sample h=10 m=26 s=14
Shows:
h=6 m=58 s=4
